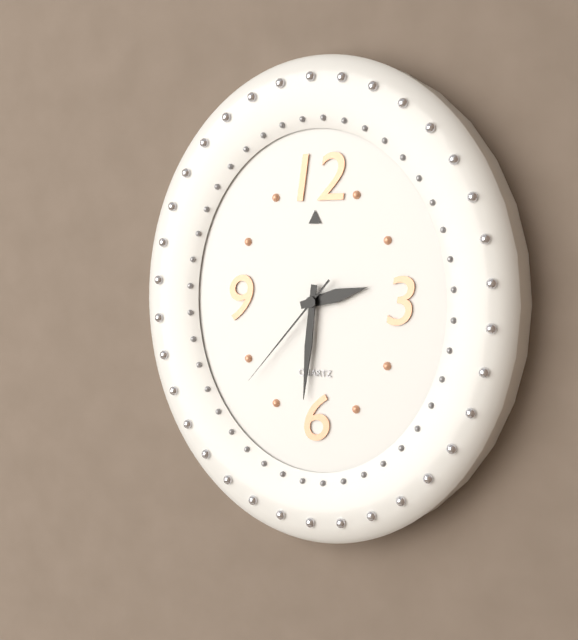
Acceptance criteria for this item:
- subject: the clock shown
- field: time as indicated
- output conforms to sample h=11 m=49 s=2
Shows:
h=2 m=31 s=37
